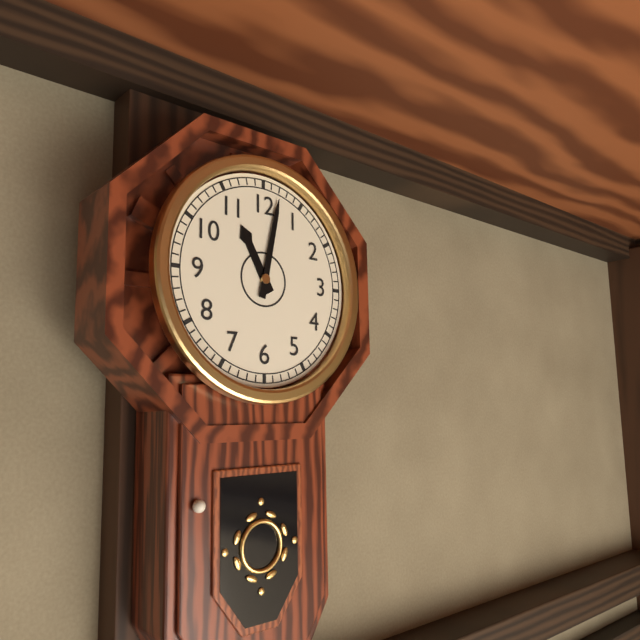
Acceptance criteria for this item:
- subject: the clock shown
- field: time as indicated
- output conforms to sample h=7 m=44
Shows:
h=11 m=2
